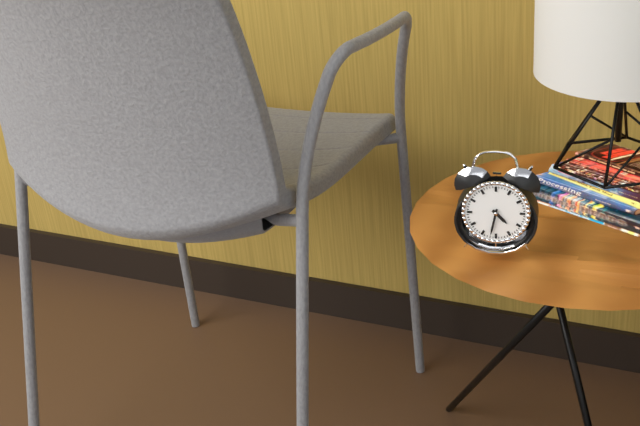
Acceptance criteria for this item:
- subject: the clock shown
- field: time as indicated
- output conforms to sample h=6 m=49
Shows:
h=4 m=32
